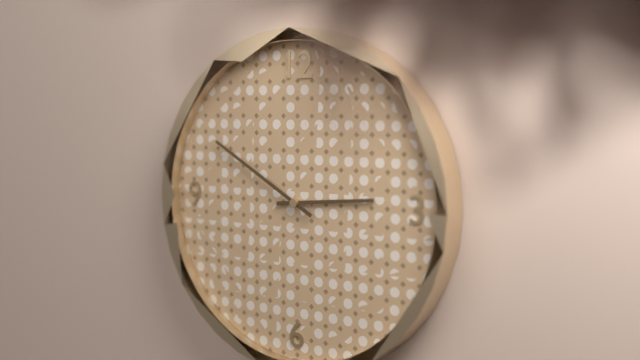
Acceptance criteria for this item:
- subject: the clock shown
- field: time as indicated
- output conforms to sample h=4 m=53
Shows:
h=2 m=50
